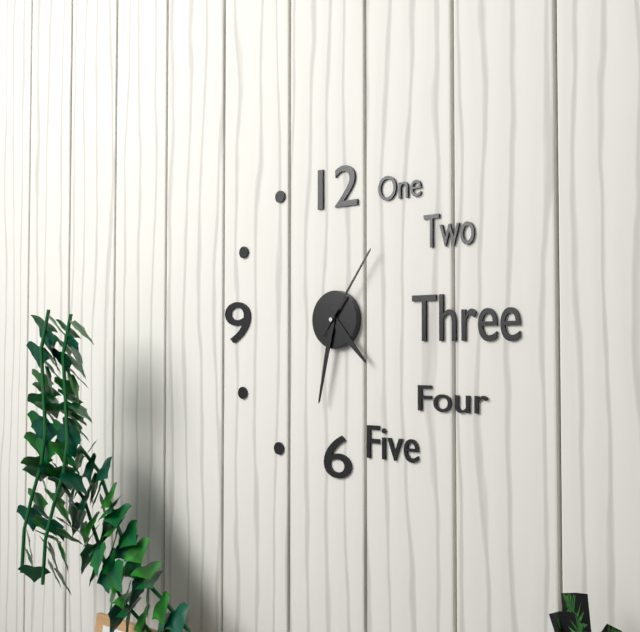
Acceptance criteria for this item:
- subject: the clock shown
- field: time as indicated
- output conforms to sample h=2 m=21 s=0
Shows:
h=4 m=32 s=6
